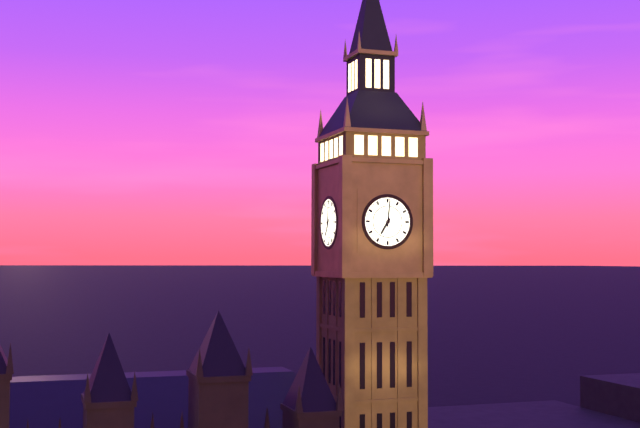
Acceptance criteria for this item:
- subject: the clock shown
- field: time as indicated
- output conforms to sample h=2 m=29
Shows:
h=7 m=1
